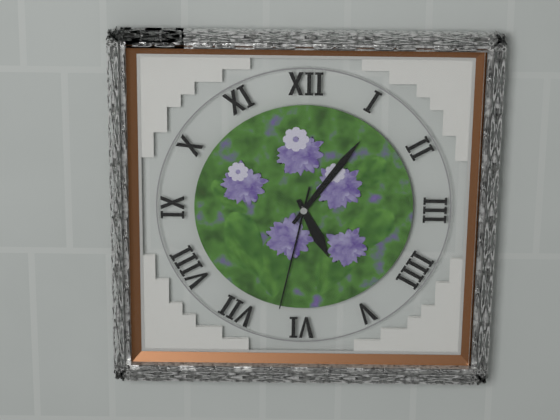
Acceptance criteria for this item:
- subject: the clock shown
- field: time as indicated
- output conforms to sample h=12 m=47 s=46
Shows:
h=5 m=6 s=32
